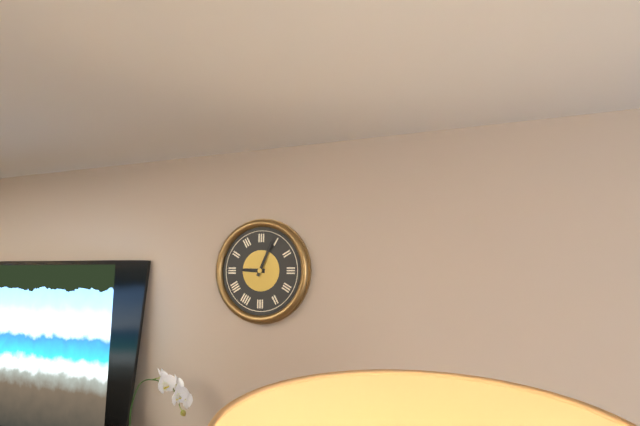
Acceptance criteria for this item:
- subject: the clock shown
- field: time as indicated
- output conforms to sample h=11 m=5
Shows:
h=9 m=4
